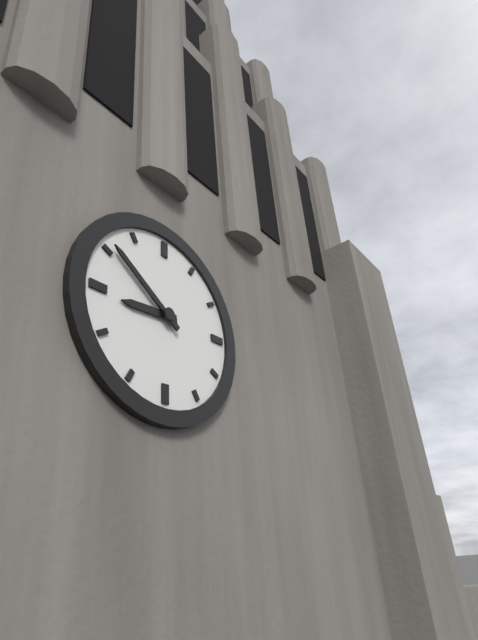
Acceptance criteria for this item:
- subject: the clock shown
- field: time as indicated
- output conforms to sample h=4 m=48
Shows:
h=8 m=51
